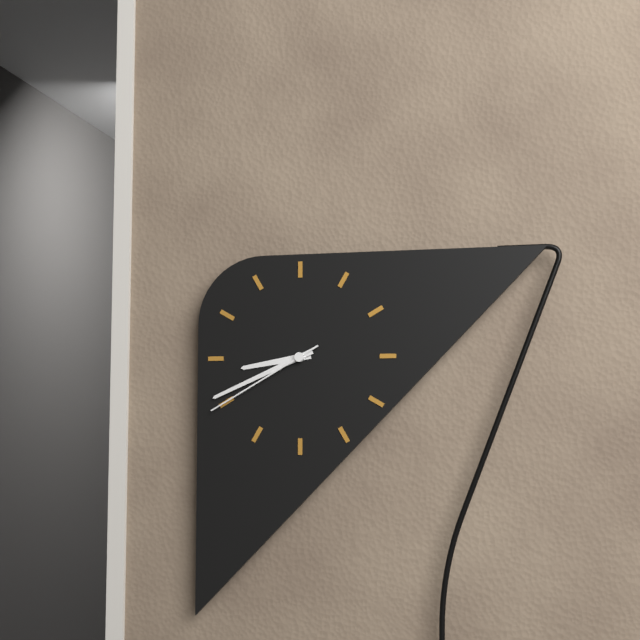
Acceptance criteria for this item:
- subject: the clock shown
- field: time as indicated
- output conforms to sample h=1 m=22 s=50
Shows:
h=8 m=41 s=40
